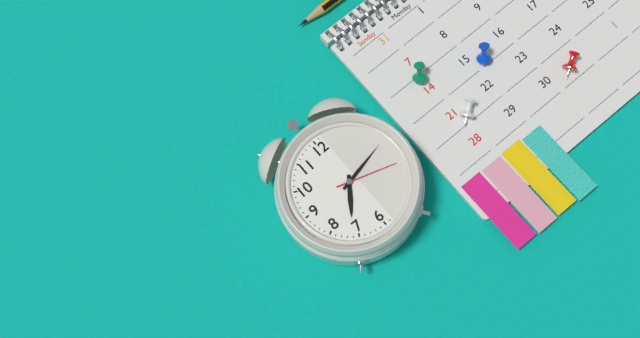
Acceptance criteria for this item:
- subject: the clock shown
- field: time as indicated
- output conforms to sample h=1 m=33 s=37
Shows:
h=7 m=13 s=18
